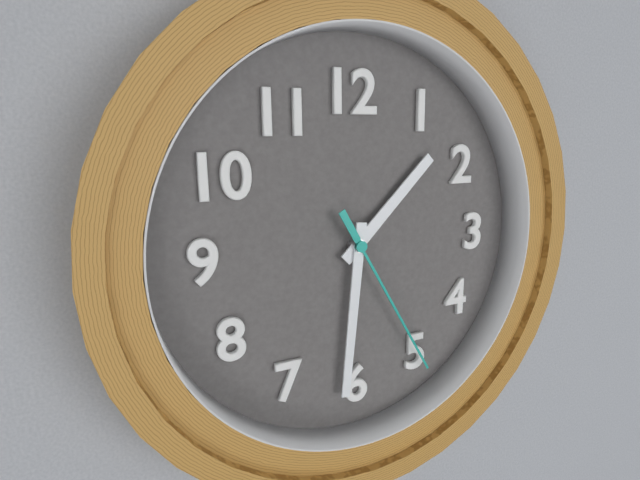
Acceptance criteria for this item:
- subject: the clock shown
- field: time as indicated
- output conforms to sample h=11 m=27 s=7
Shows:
h=1 m=31 s=25
